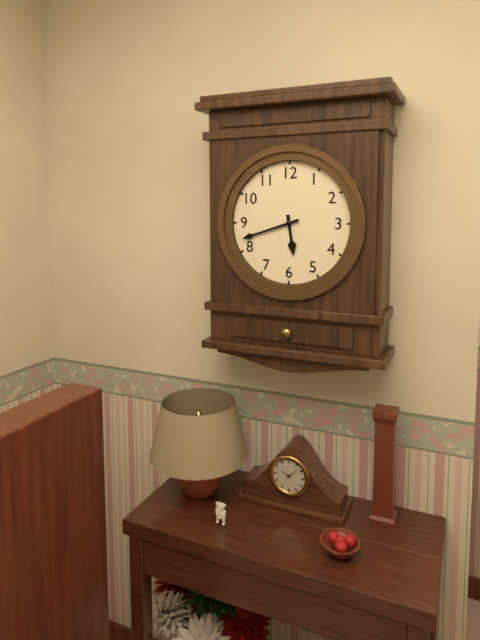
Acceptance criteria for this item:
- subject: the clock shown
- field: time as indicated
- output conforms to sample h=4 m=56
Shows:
h=5 m=42
